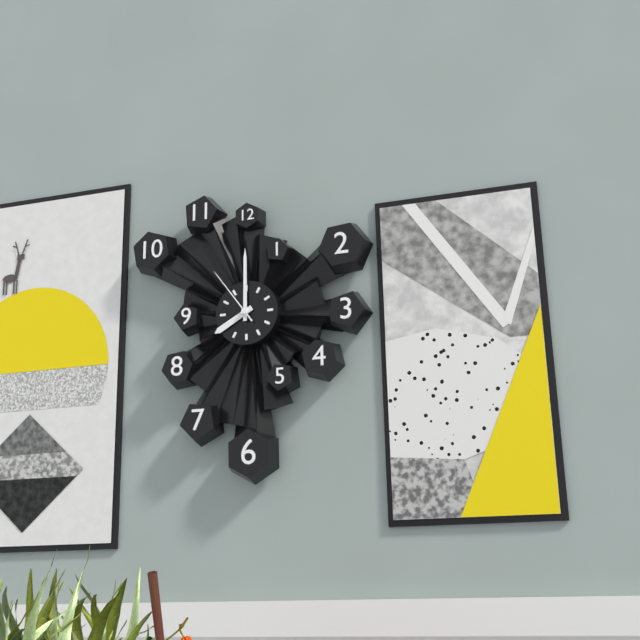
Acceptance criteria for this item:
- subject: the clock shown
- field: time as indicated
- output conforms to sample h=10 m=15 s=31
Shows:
h=8 m=0 s=54
